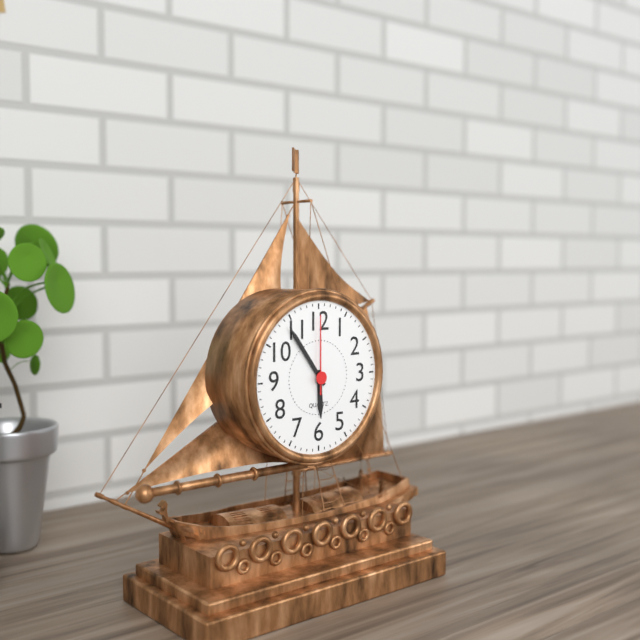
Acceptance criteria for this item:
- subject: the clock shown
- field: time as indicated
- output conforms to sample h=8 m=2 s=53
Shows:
h=5 m=54 s=0
